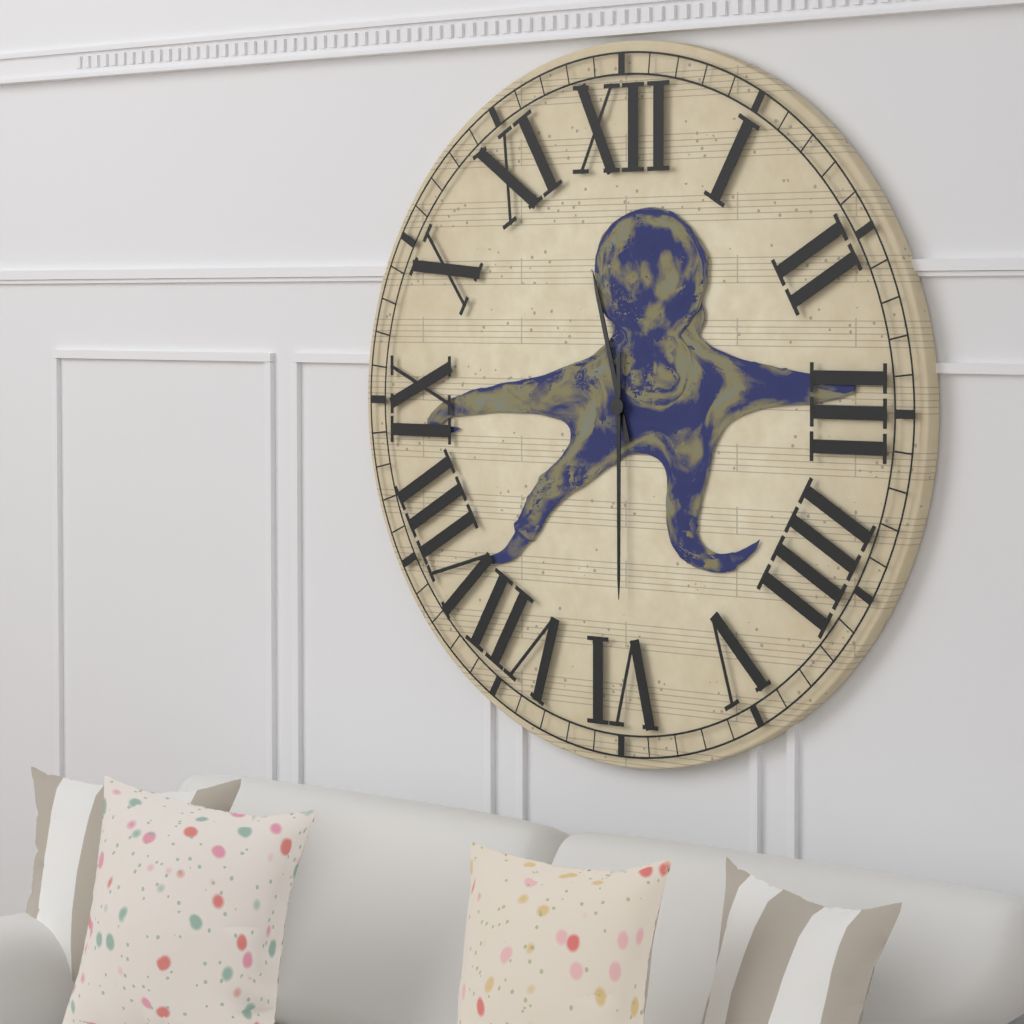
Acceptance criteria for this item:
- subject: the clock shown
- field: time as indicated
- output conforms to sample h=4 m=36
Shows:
h=11 m=30
